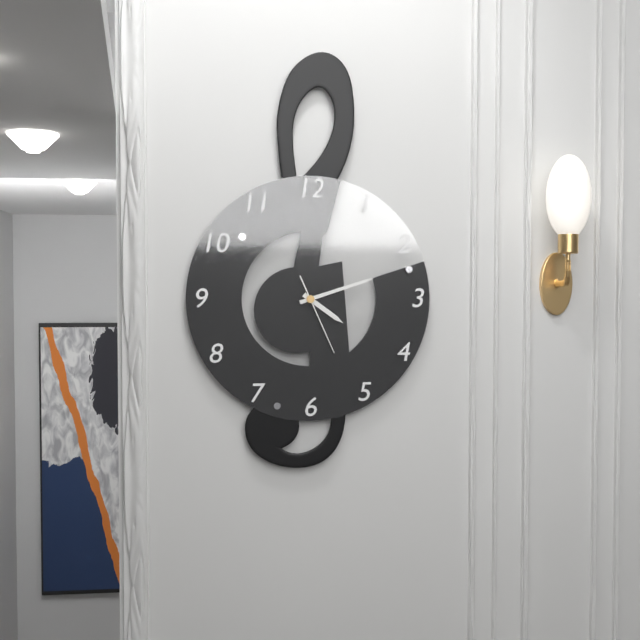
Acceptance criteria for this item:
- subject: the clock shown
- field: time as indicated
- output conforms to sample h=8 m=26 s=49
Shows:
h=4 m=12 s=26
